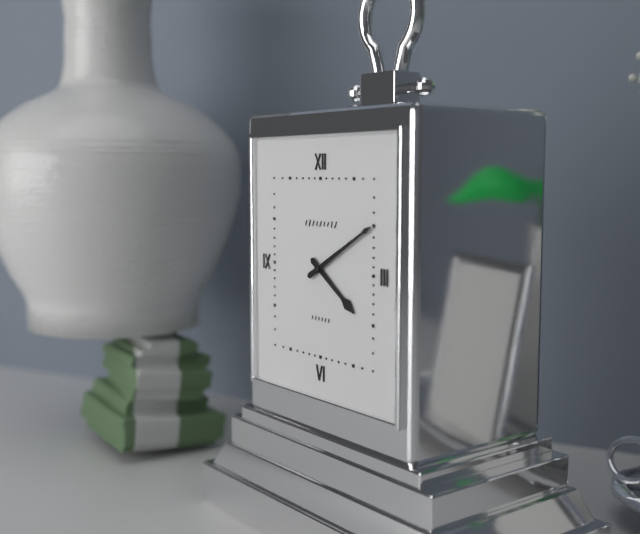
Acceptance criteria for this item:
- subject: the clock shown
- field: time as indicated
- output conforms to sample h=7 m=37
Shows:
h=4 m=10
